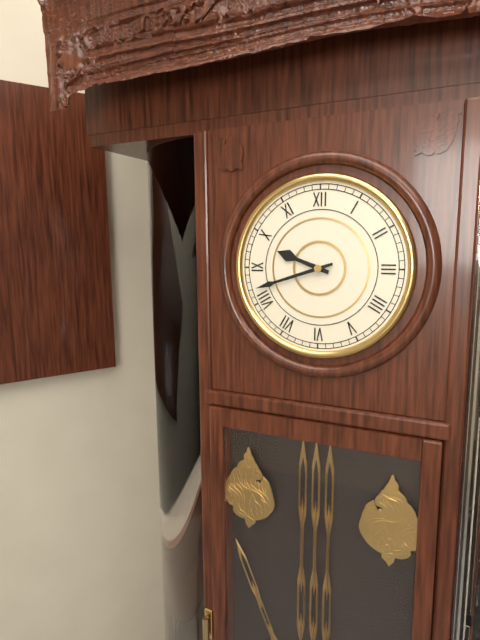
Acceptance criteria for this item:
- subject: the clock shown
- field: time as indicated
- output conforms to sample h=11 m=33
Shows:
h=9 m=42
